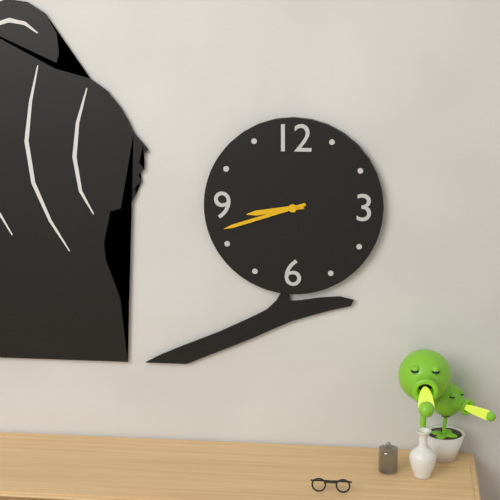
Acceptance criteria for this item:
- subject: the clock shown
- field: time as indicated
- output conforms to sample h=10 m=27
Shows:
h=8 m=42
